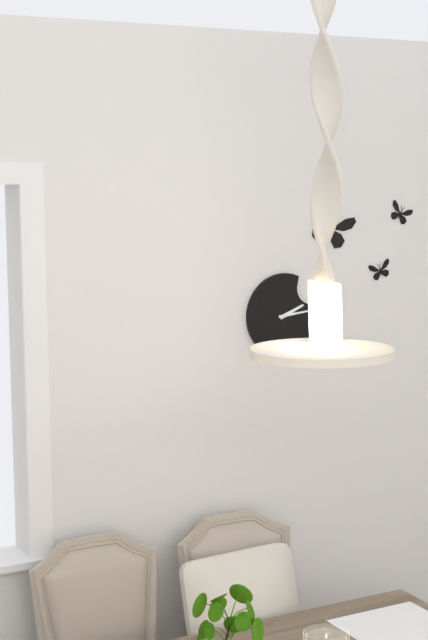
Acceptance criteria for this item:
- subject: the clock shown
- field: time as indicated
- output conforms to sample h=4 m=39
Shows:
h=2 m=14
